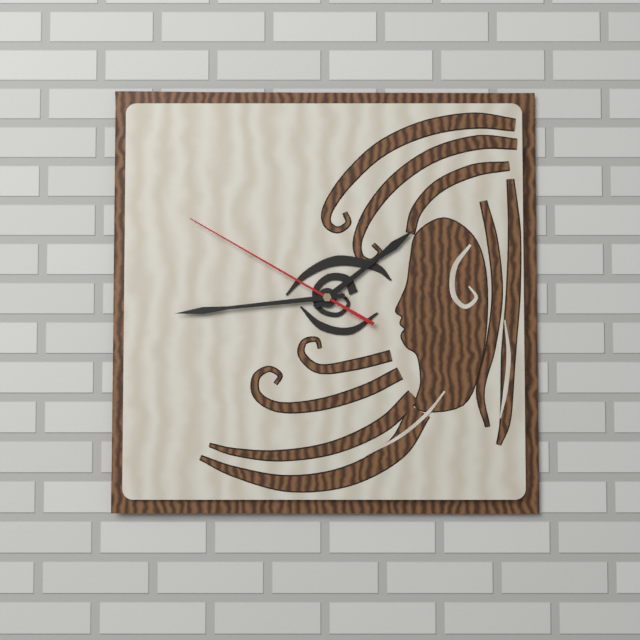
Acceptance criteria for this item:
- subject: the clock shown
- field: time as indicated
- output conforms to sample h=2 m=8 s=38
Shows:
h=1 m=44 s=50
